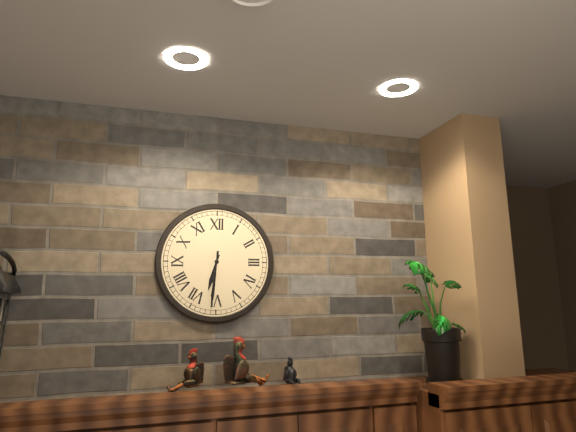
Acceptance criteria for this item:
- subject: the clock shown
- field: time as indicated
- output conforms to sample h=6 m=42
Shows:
h=6 m=31
